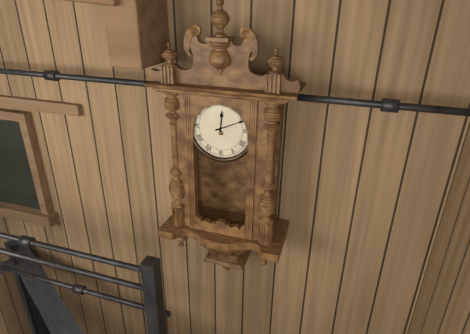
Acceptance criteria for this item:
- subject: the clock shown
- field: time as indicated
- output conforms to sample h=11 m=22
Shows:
h=12 m=11
